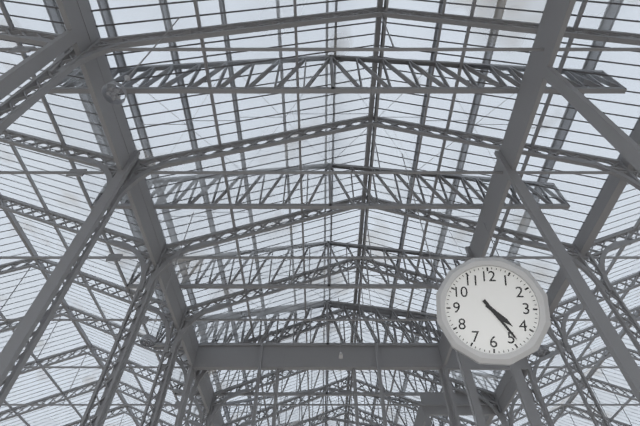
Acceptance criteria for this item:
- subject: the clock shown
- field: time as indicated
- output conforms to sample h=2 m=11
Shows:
h=4 m=24
